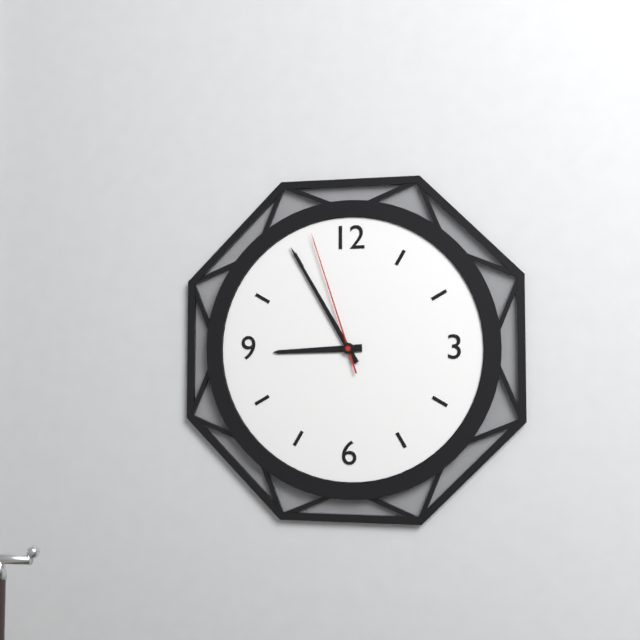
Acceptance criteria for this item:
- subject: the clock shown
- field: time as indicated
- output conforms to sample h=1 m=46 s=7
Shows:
h=8 m=55 s=57
